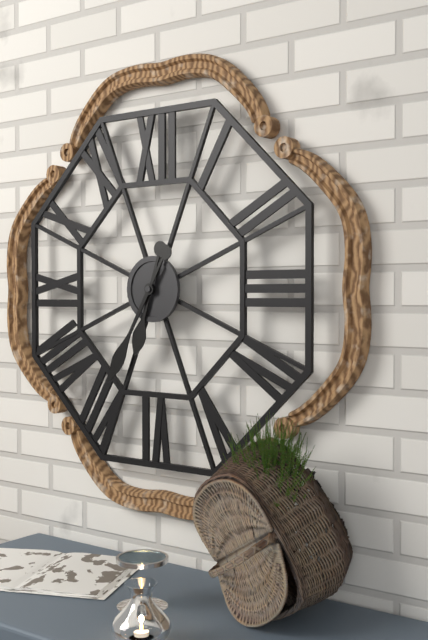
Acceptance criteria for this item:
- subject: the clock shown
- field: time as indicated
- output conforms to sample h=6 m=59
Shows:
h=6 m=35
